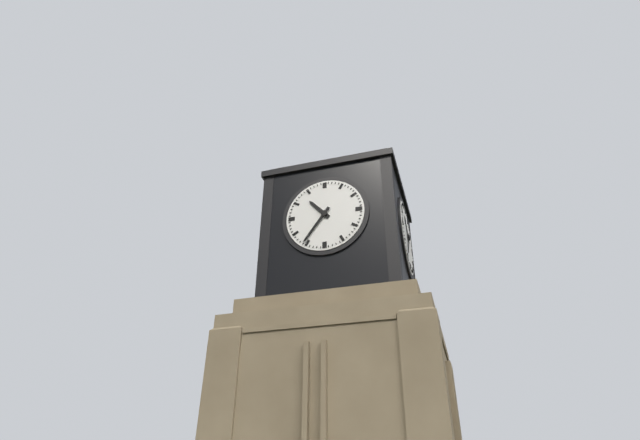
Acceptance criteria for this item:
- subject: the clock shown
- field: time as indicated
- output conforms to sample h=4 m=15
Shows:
h=10 m=36
